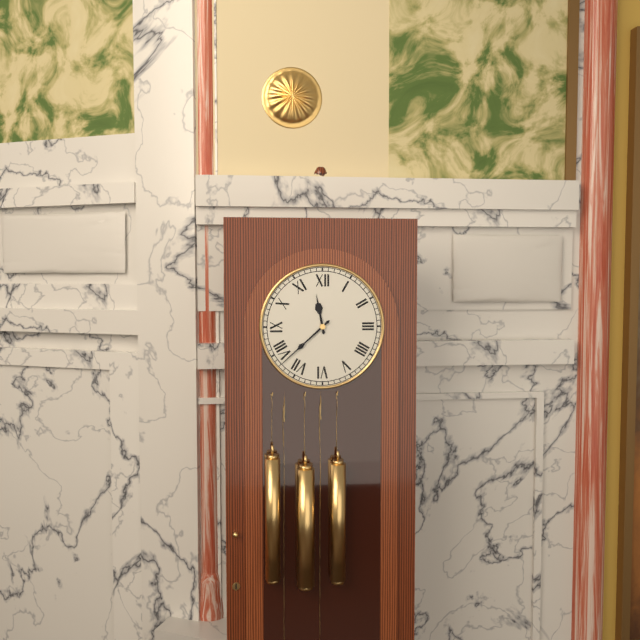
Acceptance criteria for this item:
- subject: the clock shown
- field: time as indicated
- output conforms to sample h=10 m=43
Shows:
h=11 m=38
